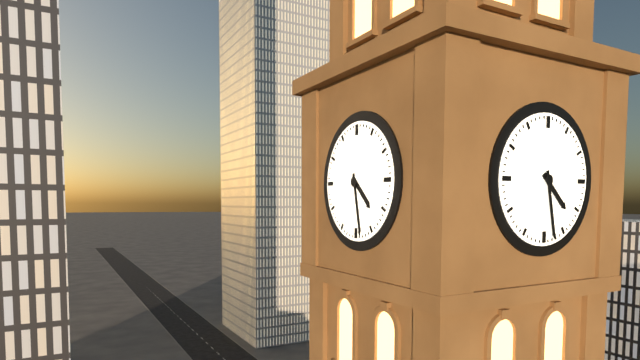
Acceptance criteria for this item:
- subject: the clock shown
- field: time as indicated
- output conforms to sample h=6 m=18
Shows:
h=4 m=28
